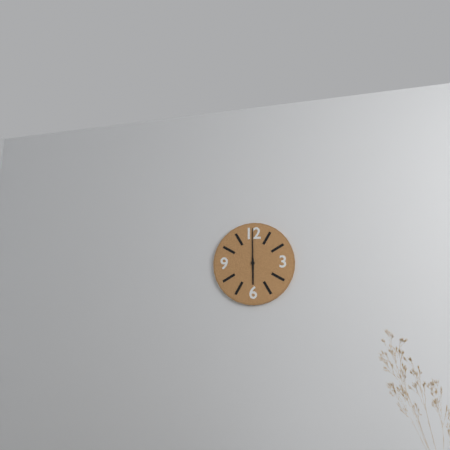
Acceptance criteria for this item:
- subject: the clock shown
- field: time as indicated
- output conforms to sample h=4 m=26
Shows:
h=6 m=0
